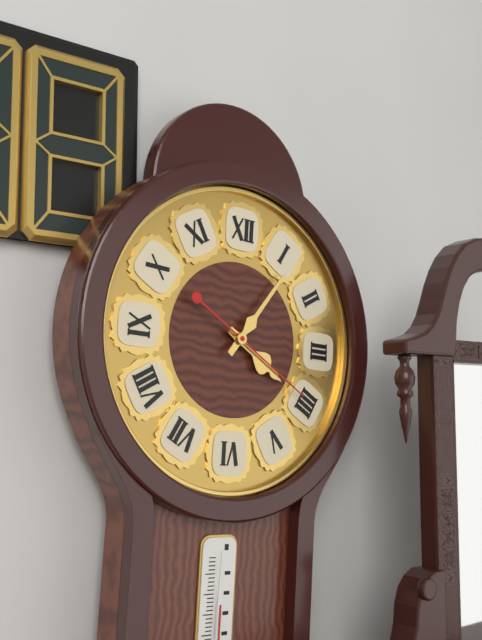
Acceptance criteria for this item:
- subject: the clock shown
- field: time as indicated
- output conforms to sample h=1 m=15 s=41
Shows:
h=4 m=6 s=20
